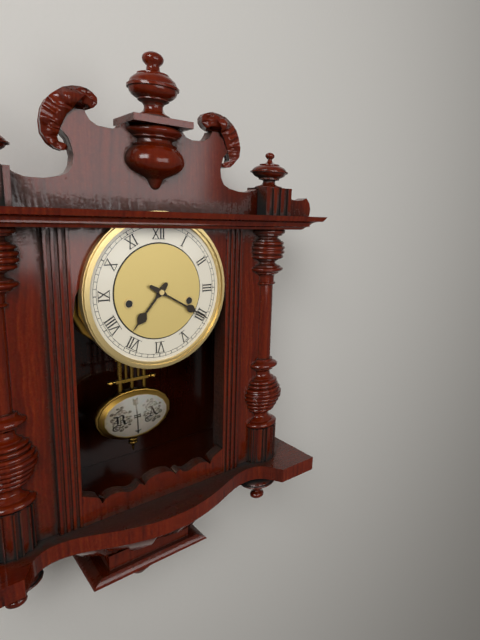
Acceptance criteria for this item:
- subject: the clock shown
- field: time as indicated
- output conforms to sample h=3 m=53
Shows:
h=7 m=20
